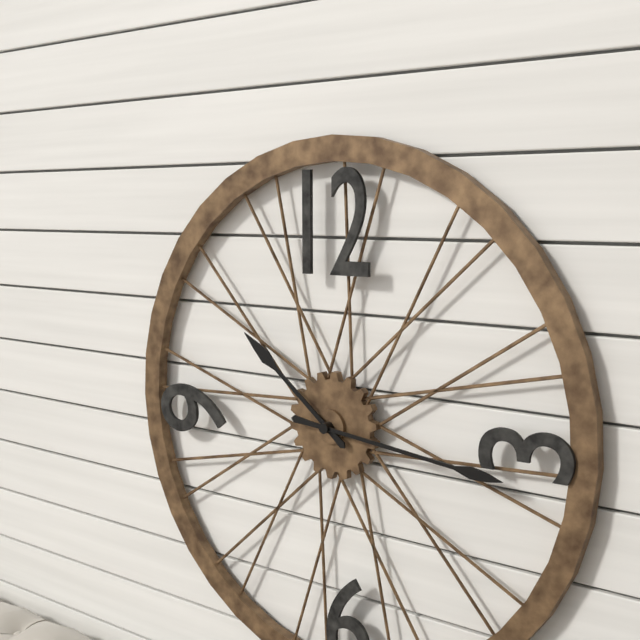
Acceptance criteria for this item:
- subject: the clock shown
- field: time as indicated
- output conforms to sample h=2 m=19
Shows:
h=10 m=16
